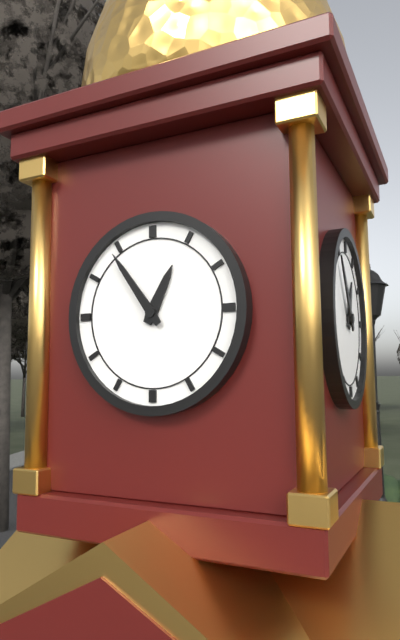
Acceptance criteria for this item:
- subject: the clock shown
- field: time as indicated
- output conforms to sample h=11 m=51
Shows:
h=12 m=54
